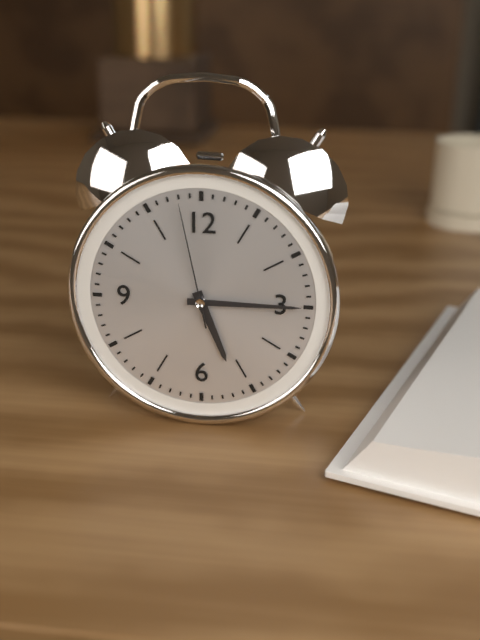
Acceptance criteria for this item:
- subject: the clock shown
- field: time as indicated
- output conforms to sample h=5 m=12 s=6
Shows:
h=5 m=15 s=58
